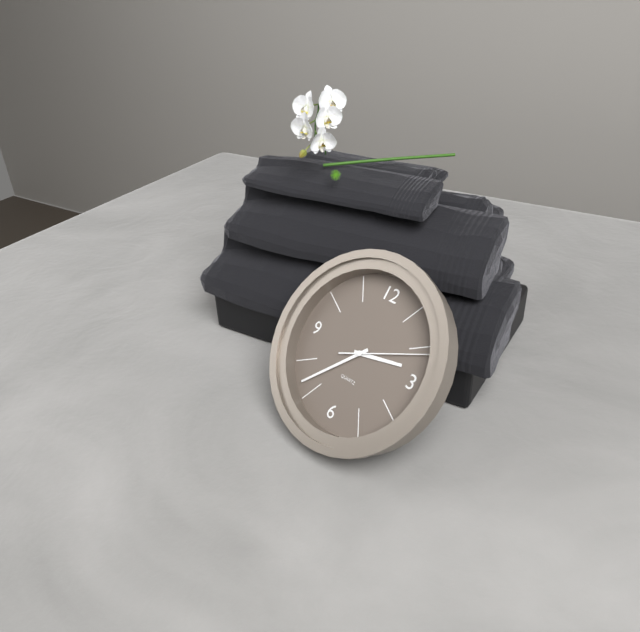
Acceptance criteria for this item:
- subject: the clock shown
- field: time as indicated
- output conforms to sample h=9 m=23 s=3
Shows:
h=2 m=37 s=11
